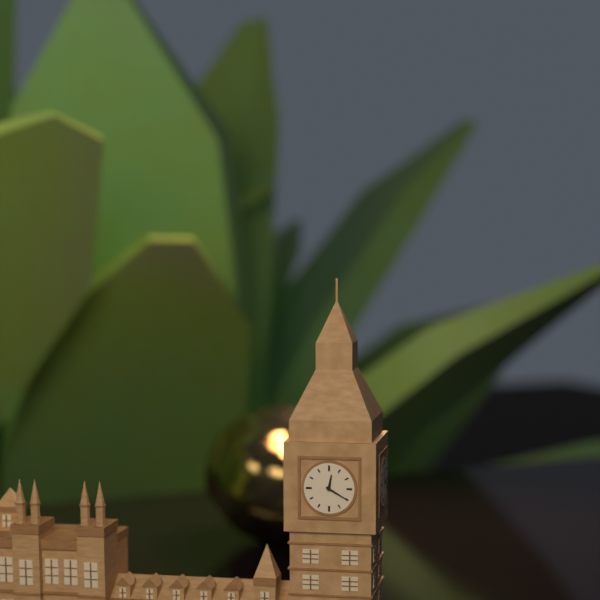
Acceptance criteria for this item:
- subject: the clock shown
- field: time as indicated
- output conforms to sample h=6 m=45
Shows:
h=12 m=20
